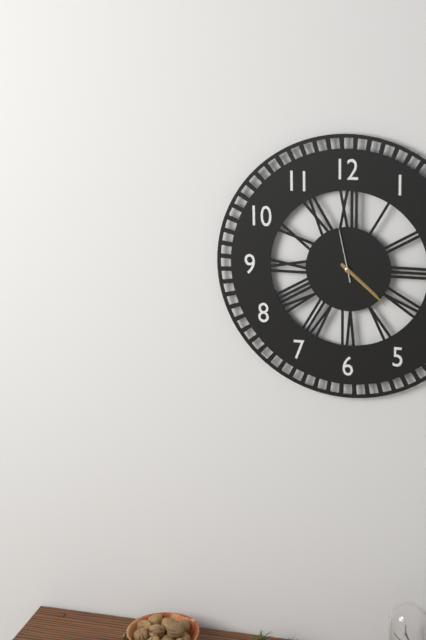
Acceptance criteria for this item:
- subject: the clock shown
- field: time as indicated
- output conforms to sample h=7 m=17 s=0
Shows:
h=4 m=22 s=58
